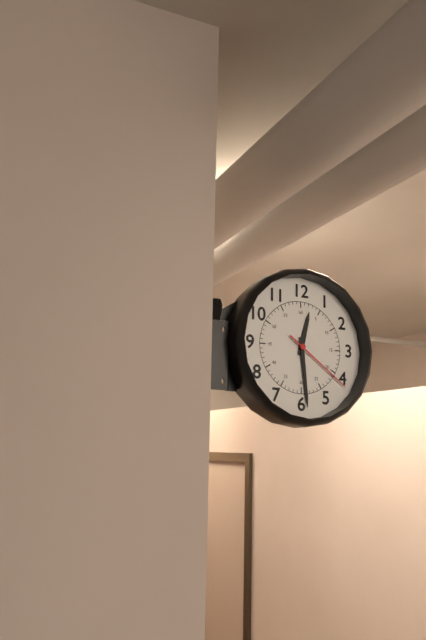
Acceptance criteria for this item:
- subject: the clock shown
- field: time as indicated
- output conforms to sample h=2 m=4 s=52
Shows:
h=12 m=29 s=21
